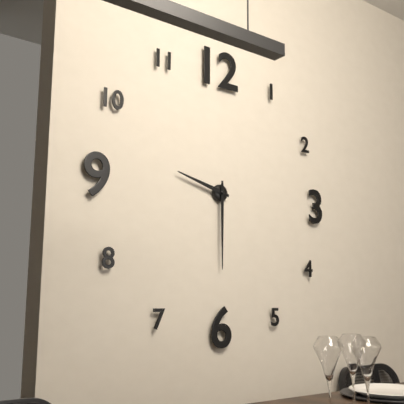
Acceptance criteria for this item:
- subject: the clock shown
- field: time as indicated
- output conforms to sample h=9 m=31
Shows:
h=9 m=30
